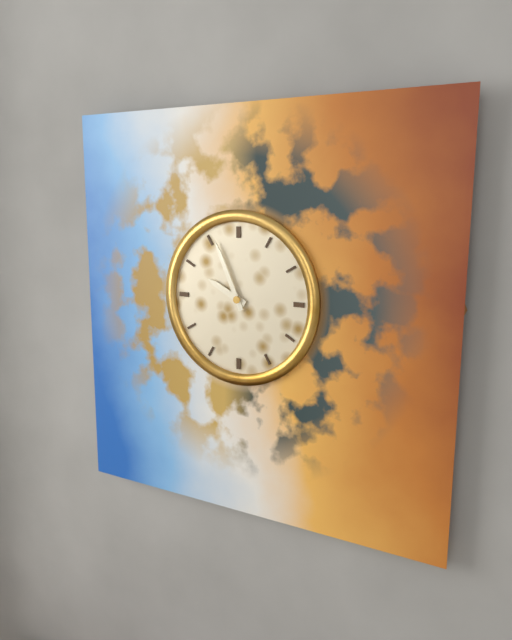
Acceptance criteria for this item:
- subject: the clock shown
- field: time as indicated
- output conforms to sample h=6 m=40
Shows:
h=9 m=56
